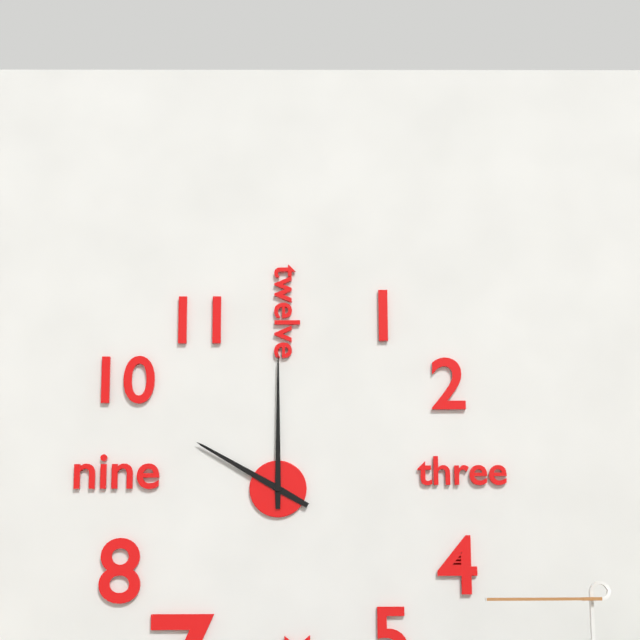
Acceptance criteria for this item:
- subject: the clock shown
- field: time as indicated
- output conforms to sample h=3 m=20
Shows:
h=10 m=0
